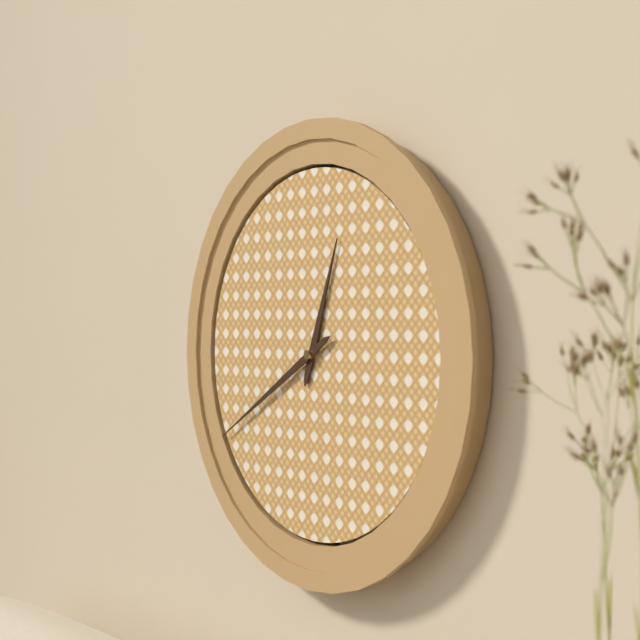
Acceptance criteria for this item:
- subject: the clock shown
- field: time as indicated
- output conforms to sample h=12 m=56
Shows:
h=12 m=40
